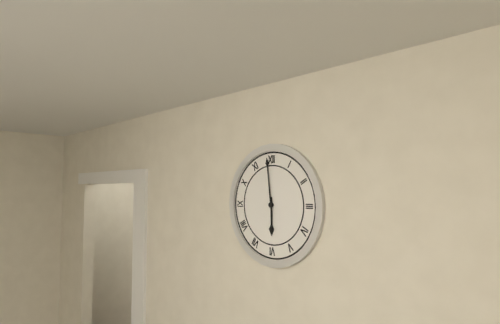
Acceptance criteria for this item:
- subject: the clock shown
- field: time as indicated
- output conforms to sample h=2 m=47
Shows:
h=5 m=59
